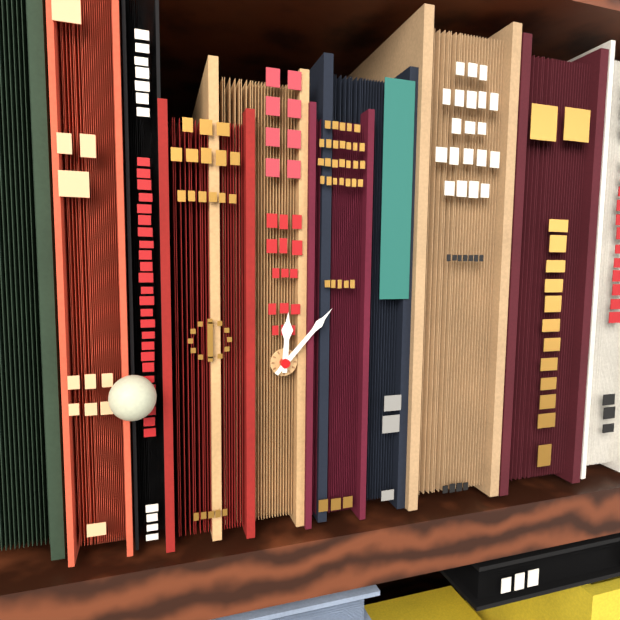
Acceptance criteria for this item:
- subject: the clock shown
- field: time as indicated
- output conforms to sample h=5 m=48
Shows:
h=12 m=7
